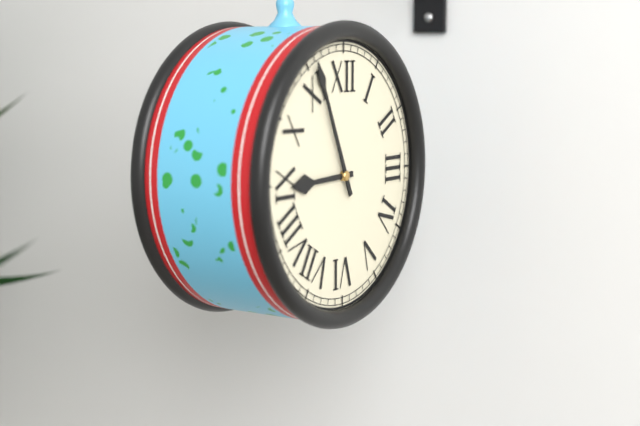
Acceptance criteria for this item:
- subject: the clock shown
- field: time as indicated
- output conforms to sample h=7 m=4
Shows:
h=8 m=56
